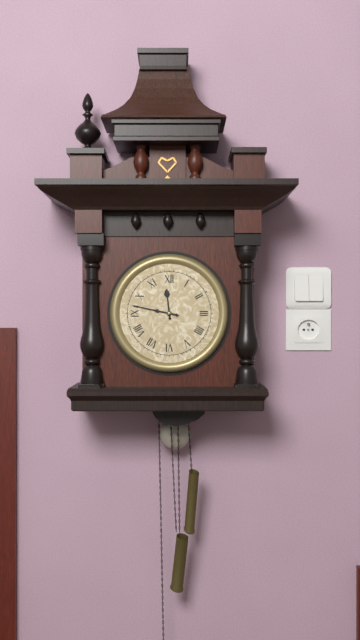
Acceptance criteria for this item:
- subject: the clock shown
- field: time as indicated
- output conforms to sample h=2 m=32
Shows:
h=11 m=47
